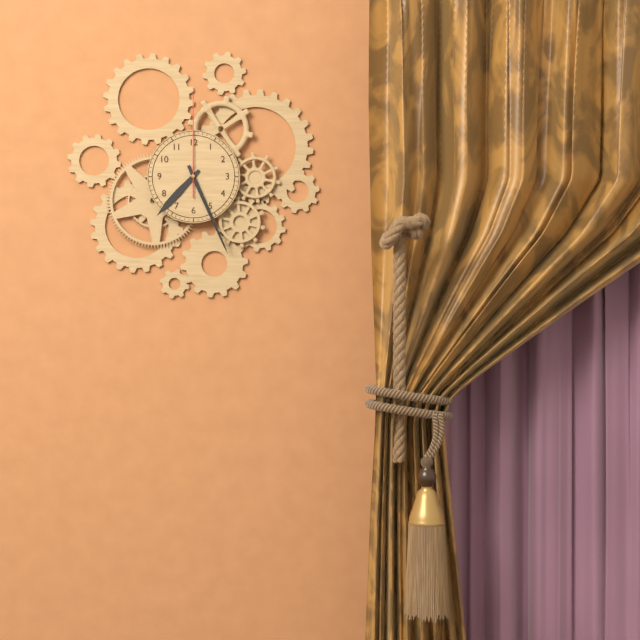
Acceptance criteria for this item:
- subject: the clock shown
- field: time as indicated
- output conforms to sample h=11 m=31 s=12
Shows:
h=7 m=26 s=0
